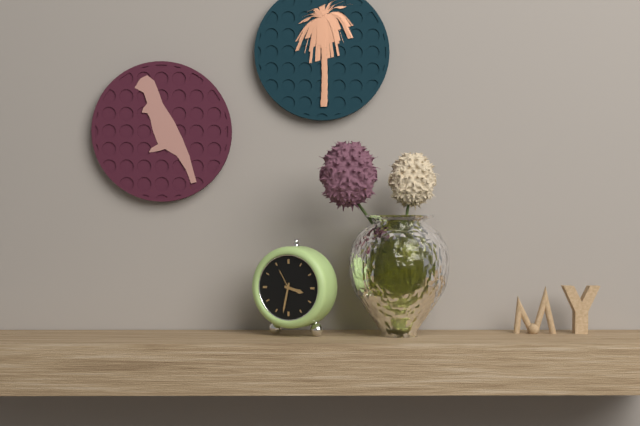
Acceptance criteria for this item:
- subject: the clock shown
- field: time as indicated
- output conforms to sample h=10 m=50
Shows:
h=3 m=32
